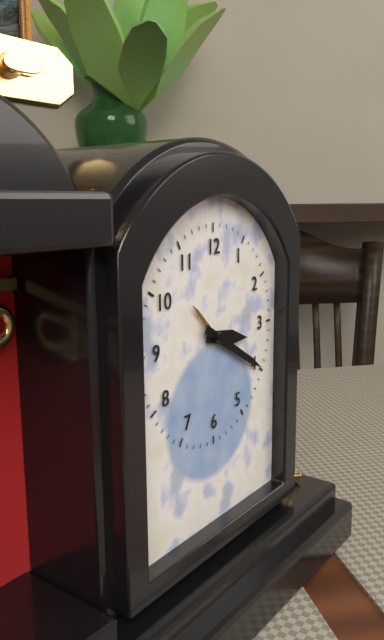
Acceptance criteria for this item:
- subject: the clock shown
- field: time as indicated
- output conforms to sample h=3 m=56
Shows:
h=3 m=20
